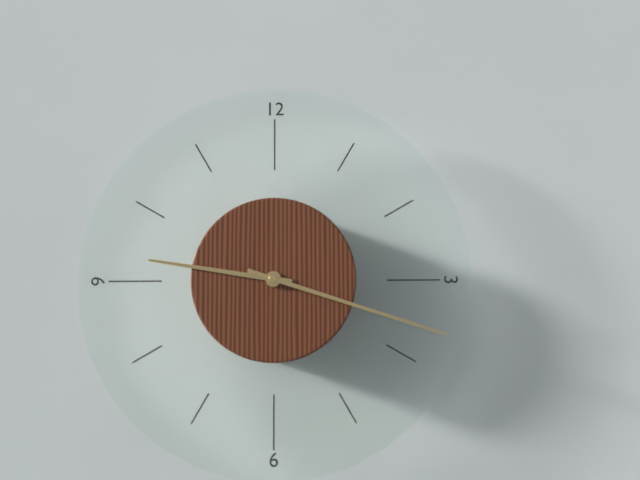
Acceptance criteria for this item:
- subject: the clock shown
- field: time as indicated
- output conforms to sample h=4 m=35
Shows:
h=9 m=18
